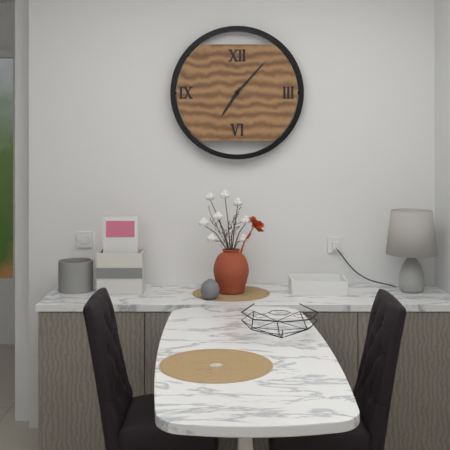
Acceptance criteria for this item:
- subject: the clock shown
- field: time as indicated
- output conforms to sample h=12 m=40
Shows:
h=7 m=7
